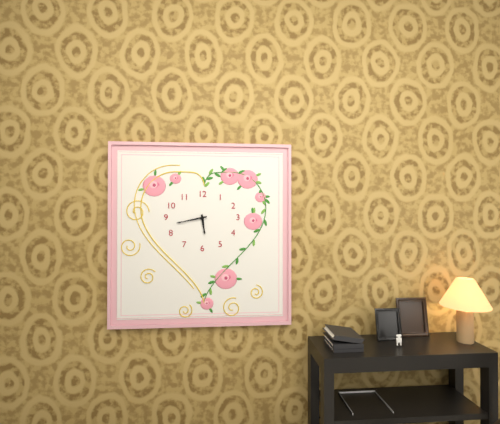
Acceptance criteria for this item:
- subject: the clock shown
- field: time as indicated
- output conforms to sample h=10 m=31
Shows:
h=5 m=43
